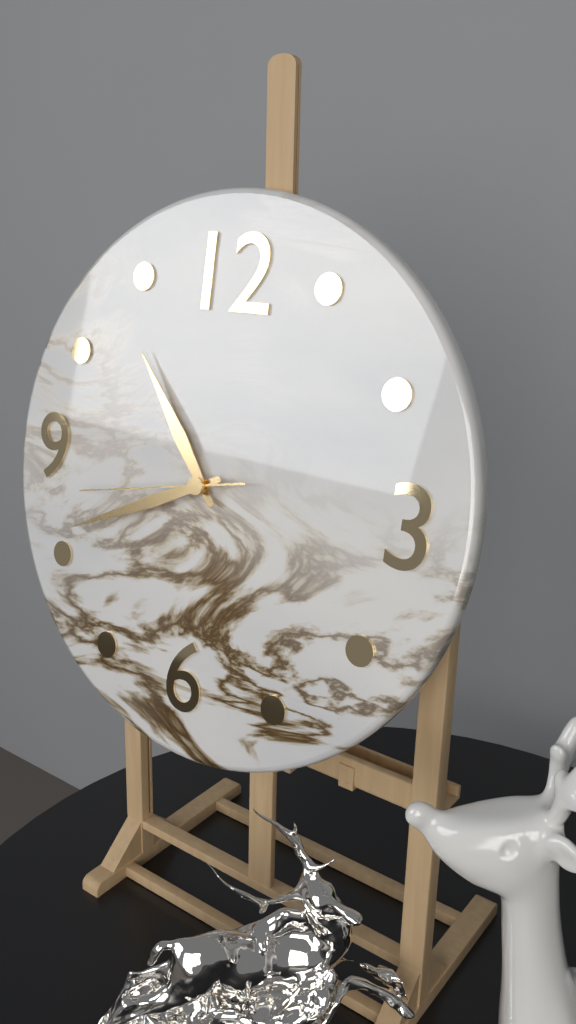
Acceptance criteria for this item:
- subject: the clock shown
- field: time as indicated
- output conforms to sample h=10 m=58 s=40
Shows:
h=10 m=41 s=43
